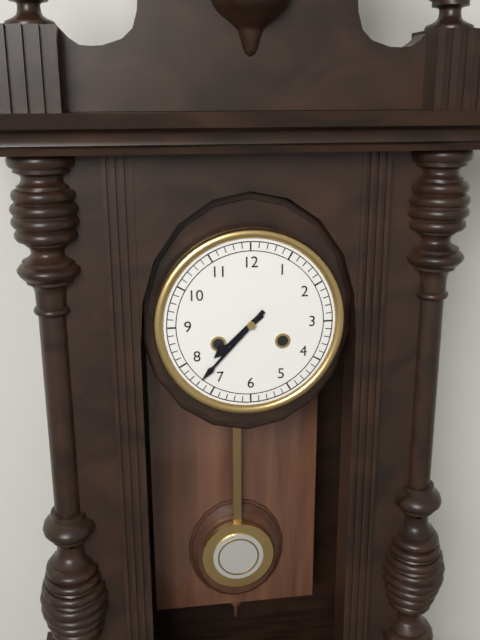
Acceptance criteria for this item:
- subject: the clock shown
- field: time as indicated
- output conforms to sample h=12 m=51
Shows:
h=7 m=37
